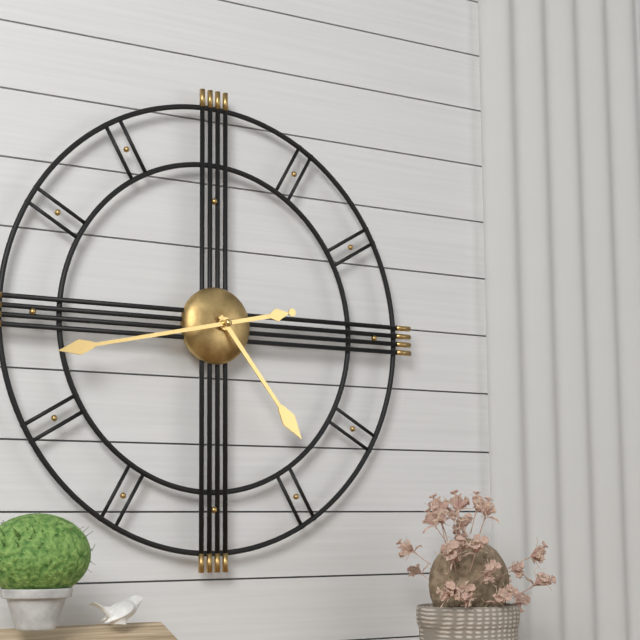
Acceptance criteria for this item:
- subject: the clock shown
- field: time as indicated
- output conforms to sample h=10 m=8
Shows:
h=4 m=43
